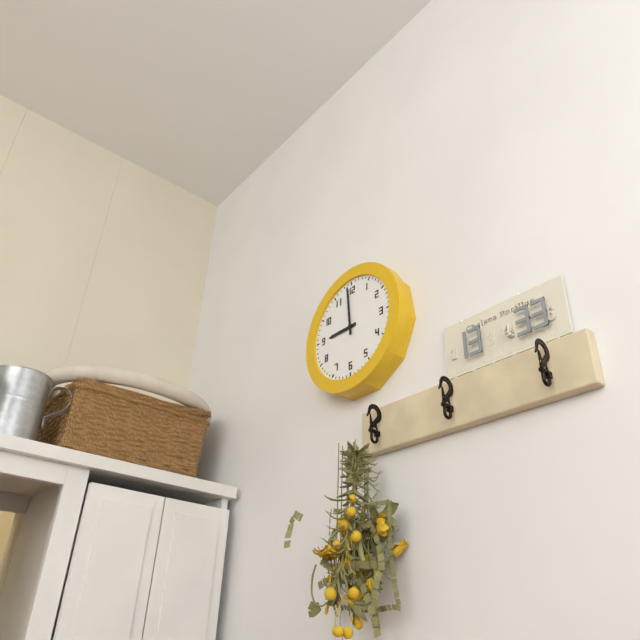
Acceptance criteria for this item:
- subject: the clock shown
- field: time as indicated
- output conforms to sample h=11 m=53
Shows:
h=8 m=59
